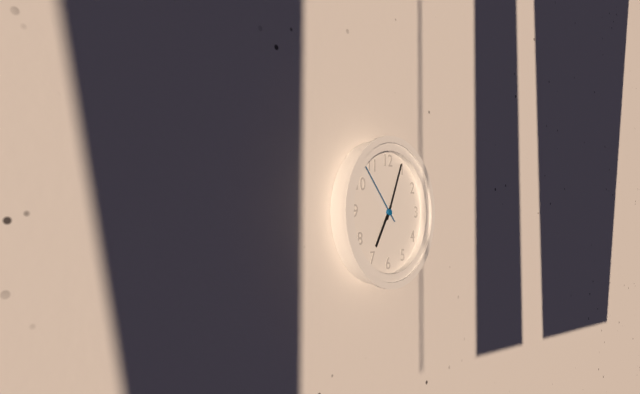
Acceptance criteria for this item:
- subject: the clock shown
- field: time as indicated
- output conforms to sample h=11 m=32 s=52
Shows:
h=7 m=4 s=53
